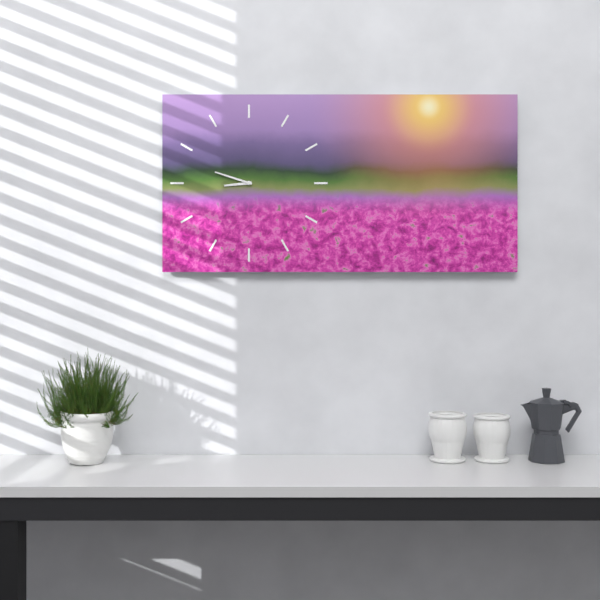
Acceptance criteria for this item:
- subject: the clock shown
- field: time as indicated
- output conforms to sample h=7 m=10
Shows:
h=8 m=48
